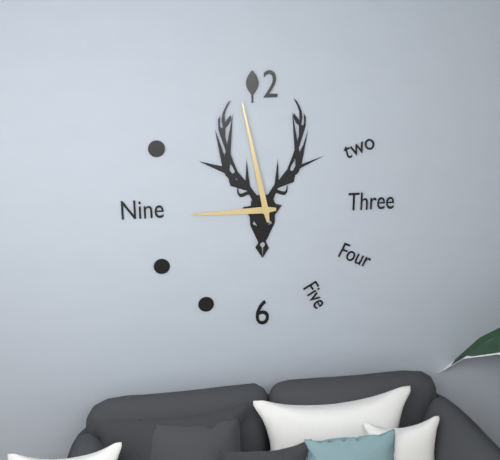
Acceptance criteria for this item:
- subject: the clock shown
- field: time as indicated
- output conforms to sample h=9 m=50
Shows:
h=8 m=58
